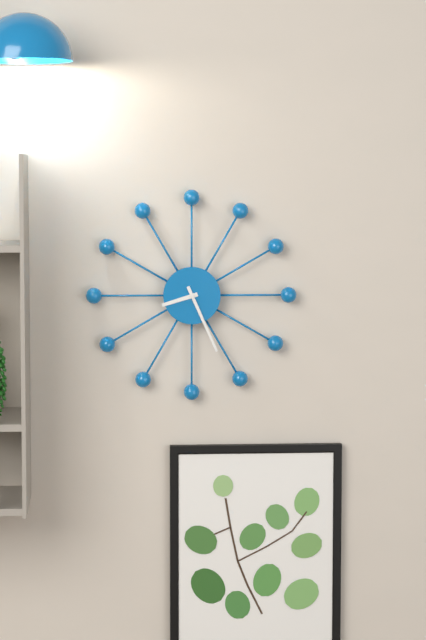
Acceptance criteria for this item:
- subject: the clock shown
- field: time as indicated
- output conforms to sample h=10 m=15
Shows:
h=8 m=26
